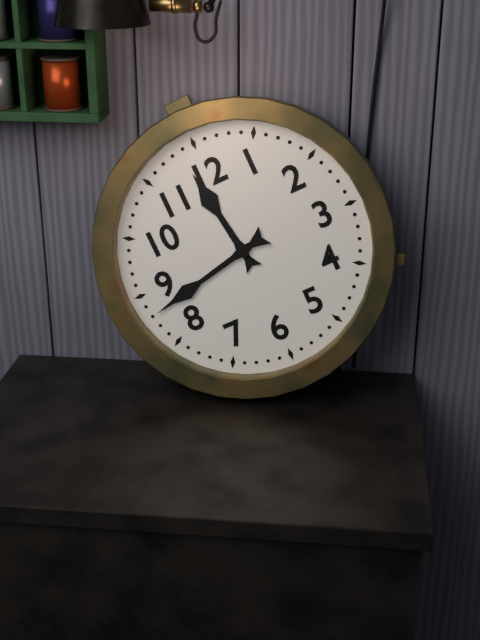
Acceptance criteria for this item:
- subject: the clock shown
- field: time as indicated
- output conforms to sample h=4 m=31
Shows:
h=11 m=43
